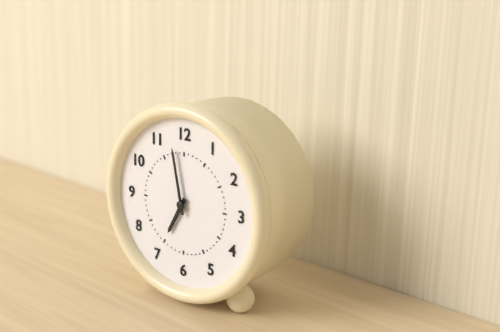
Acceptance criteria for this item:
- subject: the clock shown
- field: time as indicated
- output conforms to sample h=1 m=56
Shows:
h=6 m=58
